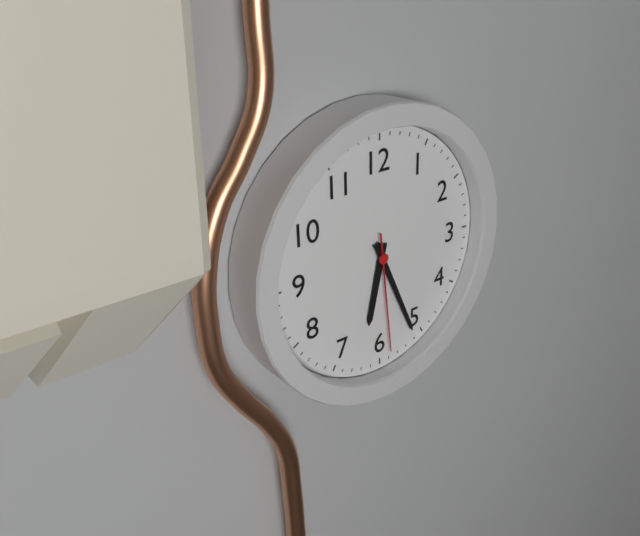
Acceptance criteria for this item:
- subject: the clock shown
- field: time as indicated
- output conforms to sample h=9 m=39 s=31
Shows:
h=6 m=26 s=29
